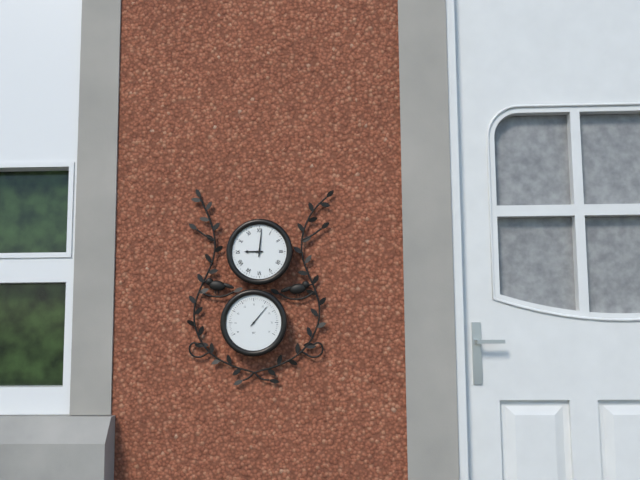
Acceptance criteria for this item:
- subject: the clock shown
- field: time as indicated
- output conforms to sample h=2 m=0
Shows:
h=9 m=1
